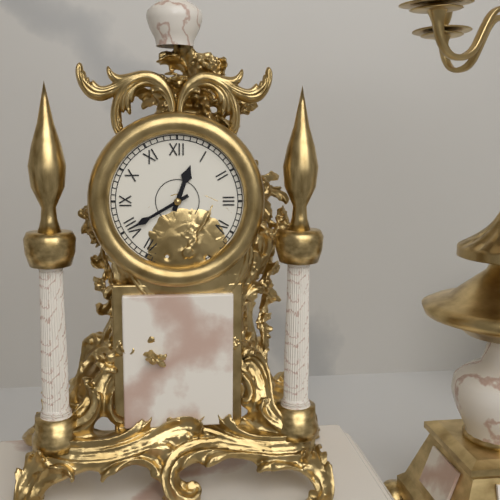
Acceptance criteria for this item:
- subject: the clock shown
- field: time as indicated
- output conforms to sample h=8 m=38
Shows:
h=12 m=40
